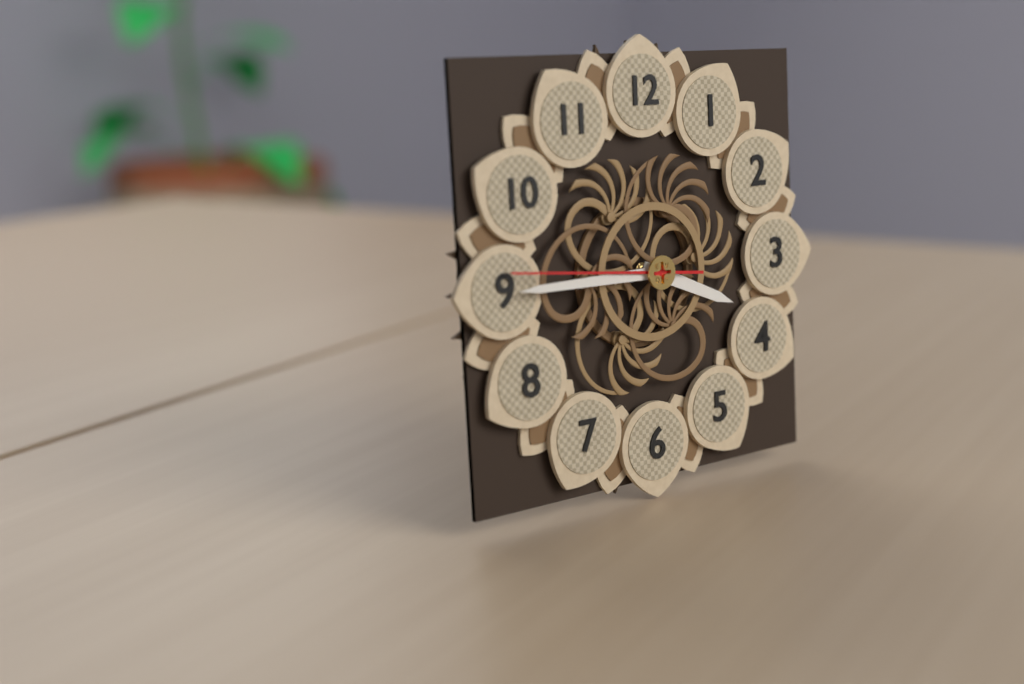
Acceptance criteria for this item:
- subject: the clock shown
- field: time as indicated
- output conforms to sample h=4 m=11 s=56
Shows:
h=3 m=45 s=46
